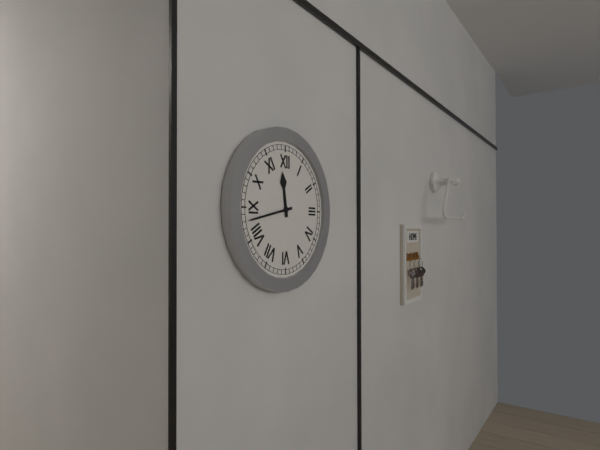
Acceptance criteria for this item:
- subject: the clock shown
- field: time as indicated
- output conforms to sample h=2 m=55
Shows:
h=11 m=43
